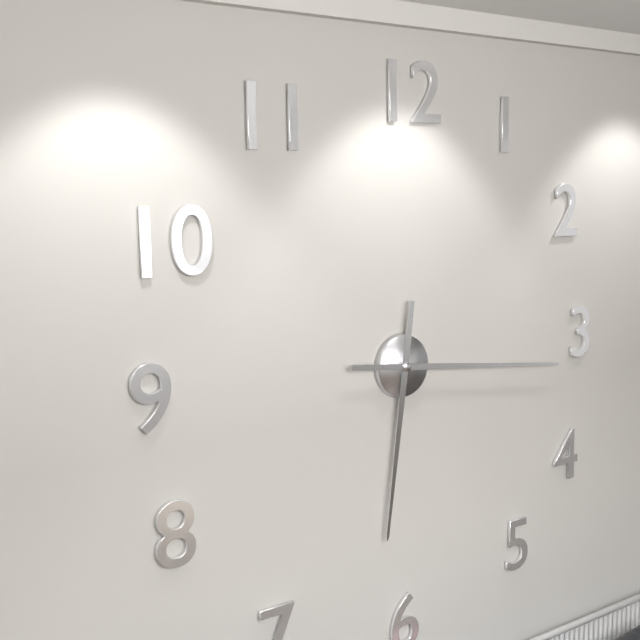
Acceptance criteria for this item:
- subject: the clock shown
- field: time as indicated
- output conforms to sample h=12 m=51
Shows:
h=6 m=16
